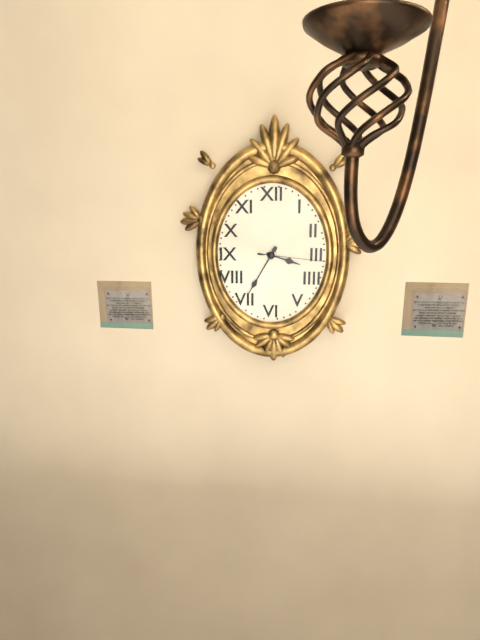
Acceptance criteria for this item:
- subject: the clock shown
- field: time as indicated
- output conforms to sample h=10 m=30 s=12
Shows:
h=3 m=35 s=16
